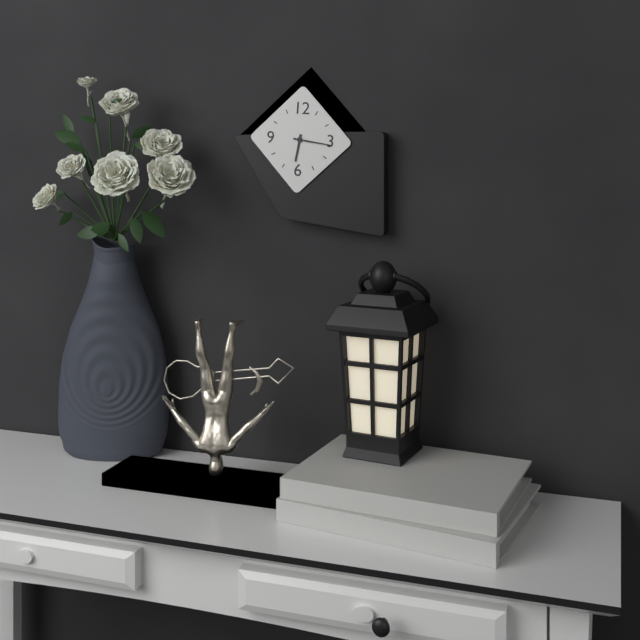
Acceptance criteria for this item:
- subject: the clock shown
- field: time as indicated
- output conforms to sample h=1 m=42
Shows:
h=6 m=16
